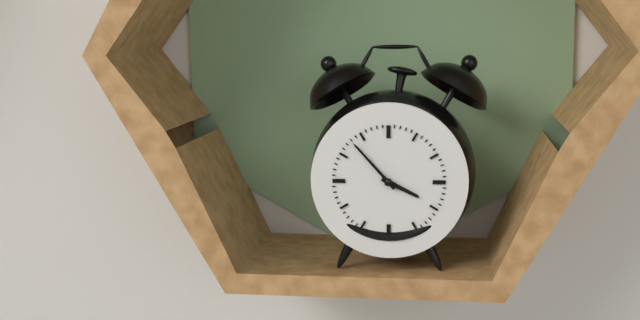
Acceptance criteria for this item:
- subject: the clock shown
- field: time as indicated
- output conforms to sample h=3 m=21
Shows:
h=3 m=53
